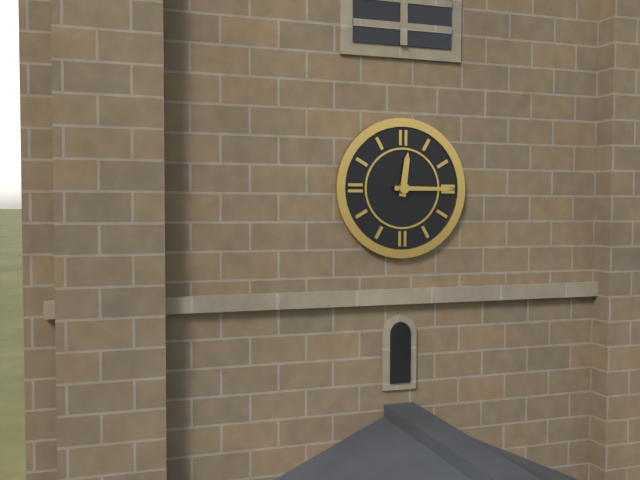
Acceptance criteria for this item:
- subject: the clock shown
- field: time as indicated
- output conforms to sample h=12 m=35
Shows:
h=12 m=15
